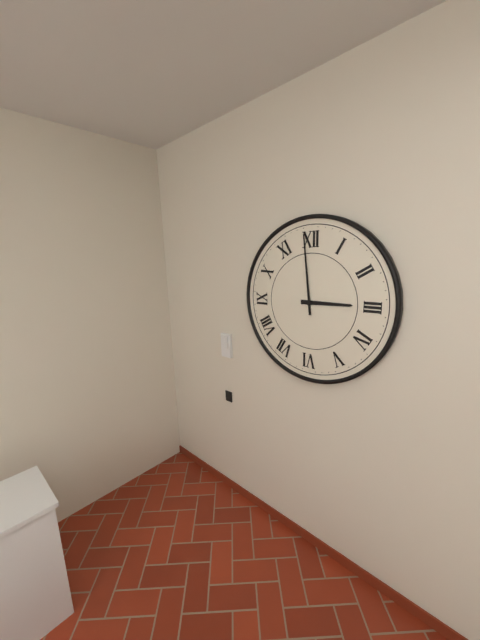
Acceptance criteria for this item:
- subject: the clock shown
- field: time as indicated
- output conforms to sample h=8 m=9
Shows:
h=2 m=59
